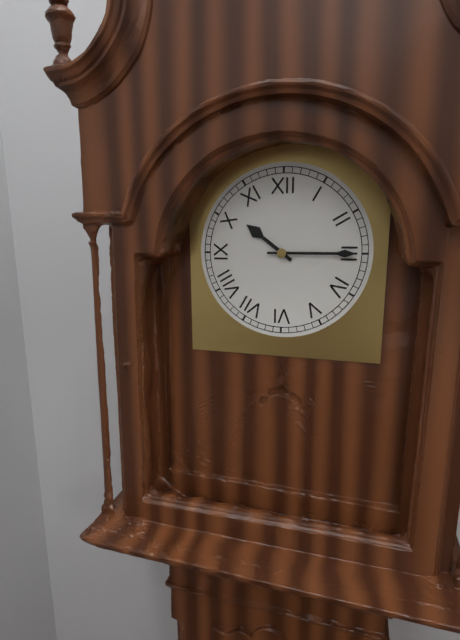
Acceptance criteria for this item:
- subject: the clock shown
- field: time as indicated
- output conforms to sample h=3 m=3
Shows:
h=10 m=15
